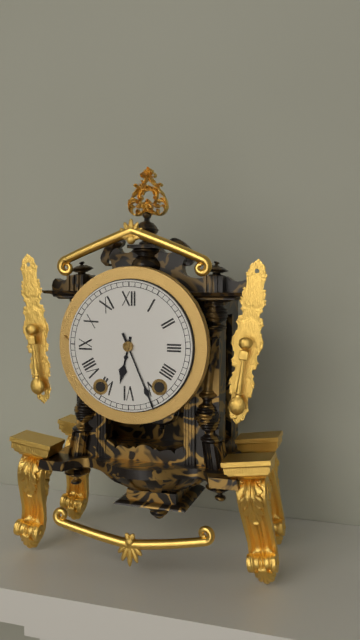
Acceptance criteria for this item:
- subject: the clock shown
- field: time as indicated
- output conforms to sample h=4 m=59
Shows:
h=6 m=26
